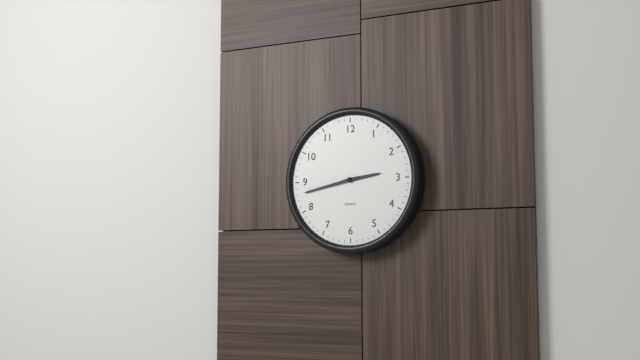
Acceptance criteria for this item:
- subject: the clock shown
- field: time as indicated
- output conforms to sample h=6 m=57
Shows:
h=2 m=43
